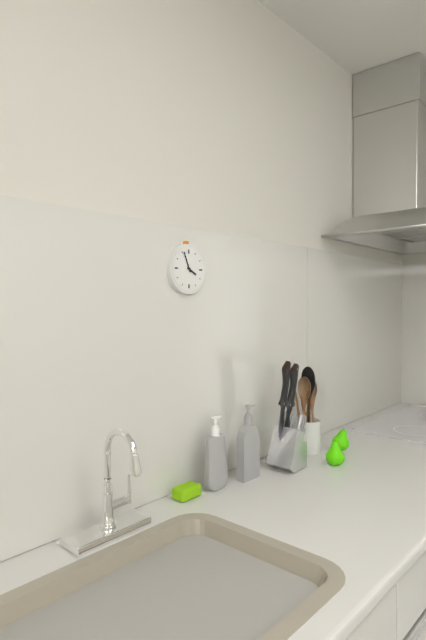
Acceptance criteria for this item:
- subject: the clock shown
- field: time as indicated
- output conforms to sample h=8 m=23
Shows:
h=3 m=56
